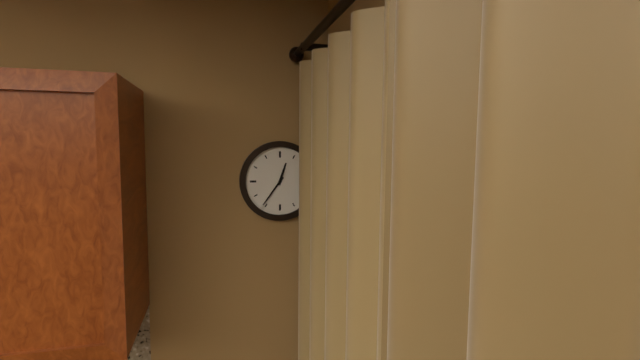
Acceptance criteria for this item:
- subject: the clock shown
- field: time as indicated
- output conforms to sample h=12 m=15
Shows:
h=12 m=36
